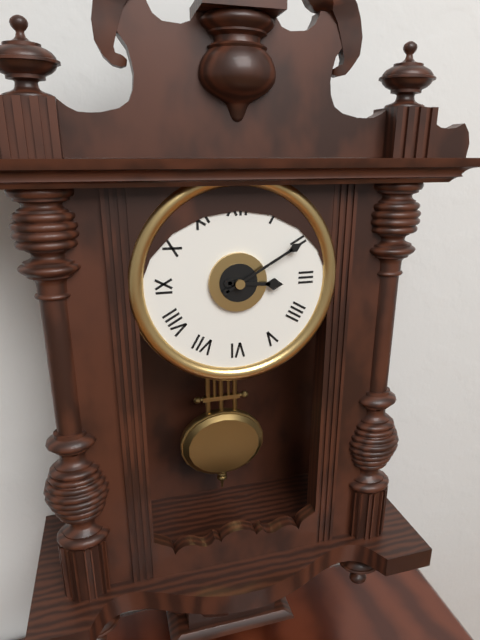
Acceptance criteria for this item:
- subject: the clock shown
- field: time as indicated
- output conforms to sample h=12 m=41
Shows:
h=3 m=10
